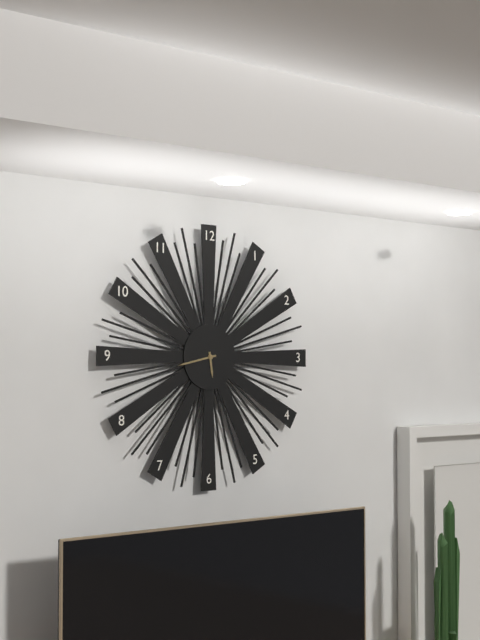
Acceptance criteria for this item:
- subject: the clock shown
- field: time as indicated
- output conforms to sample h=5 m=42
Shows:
h=5 m=43
